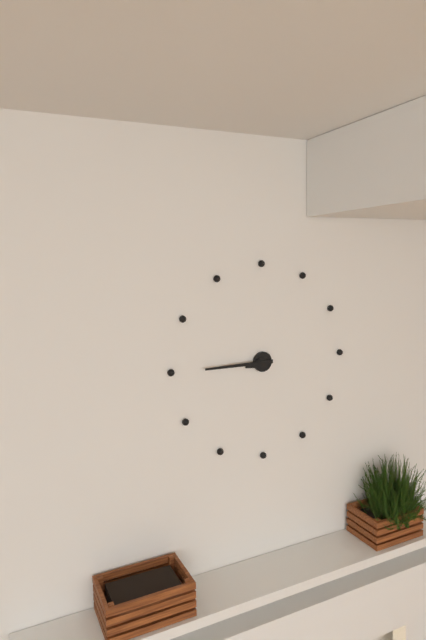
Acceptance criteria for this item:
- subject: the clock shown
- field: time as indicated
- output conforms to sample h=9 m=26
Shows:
h=8 m=45
